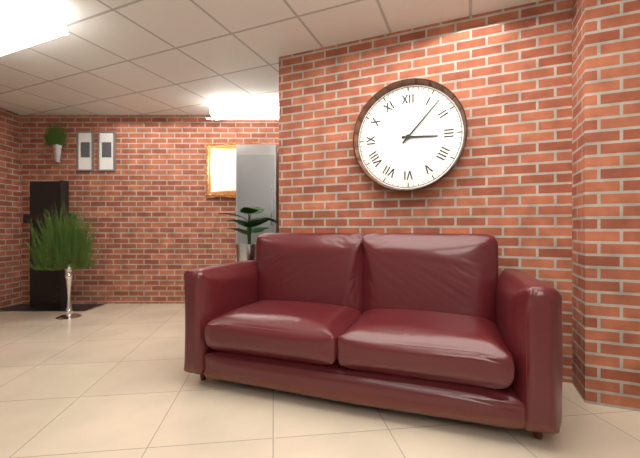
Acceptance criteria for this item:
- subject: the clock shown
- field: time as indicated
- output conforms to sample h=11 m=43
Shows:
h=3 m=7
